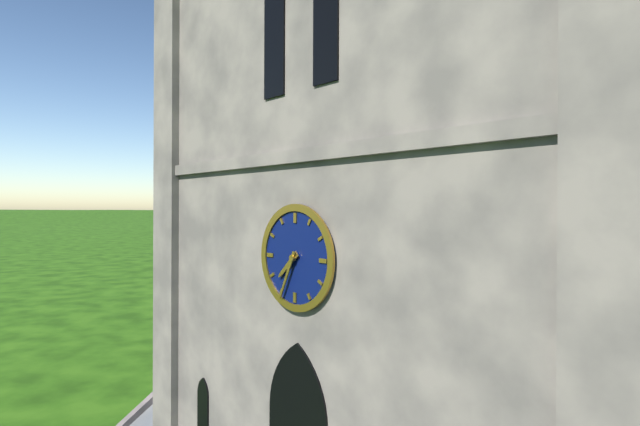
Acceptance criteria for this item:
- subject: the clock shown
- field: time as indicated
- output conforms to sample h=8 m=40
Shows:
h=7 m=34
